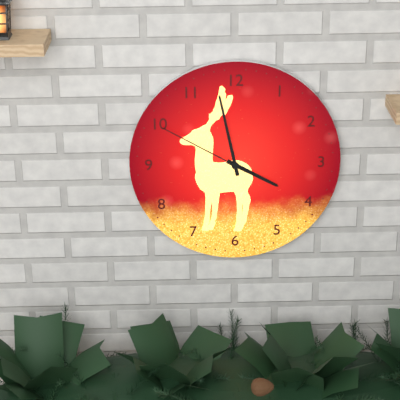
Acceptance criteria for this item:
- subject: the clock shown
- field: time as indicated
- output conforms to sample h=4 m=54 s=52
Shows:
h=3 m=58 s=50
